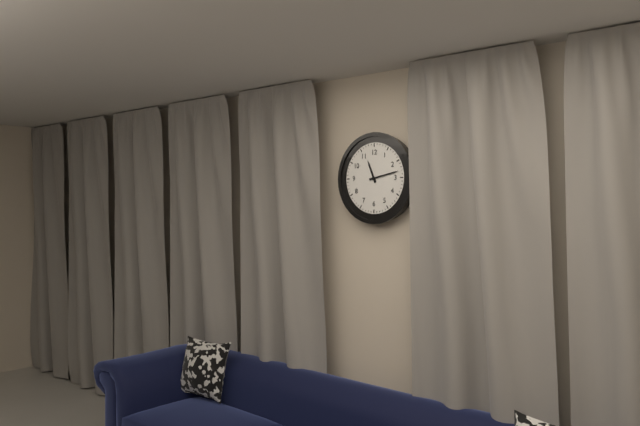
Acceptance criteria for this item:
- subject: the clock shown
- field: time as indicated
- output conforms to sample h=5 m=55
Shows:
h=11 m=13
